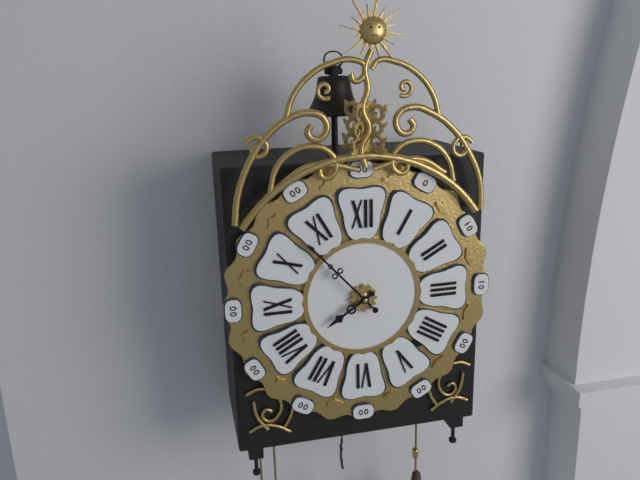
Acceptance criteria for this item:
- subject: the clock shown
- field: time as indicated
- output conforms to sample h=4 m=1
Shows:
h=7 m=53
